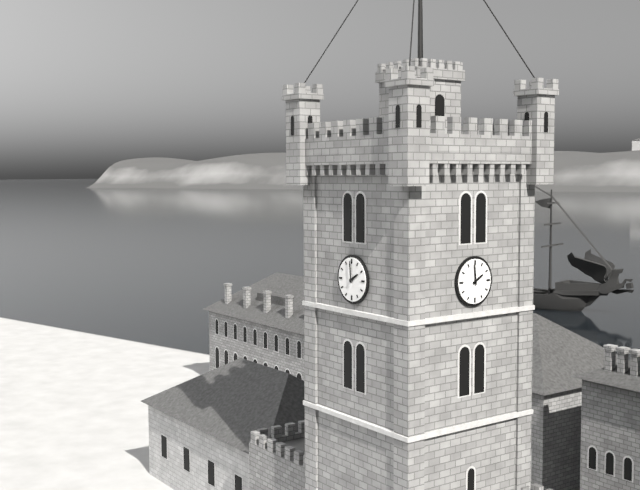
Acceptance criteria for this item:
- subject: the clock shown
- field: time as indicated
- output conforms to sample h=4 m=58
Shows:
h=1 m=59
